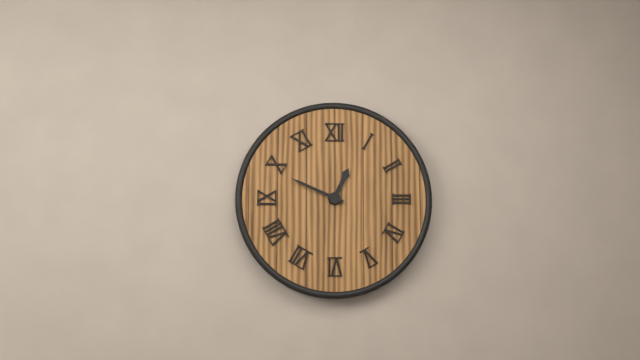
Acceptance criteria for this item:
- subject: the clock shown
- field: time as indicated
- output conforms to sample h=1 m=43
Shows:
h=12 m=49
